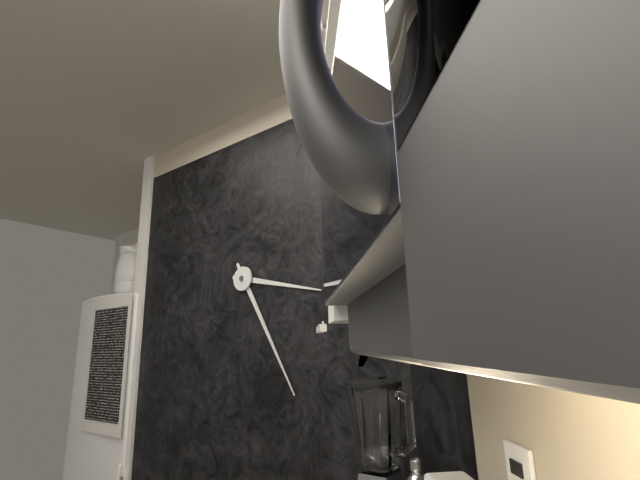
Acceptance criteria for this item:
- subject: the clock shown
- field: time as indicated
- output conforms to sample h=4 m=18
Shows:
h=3 m=25
